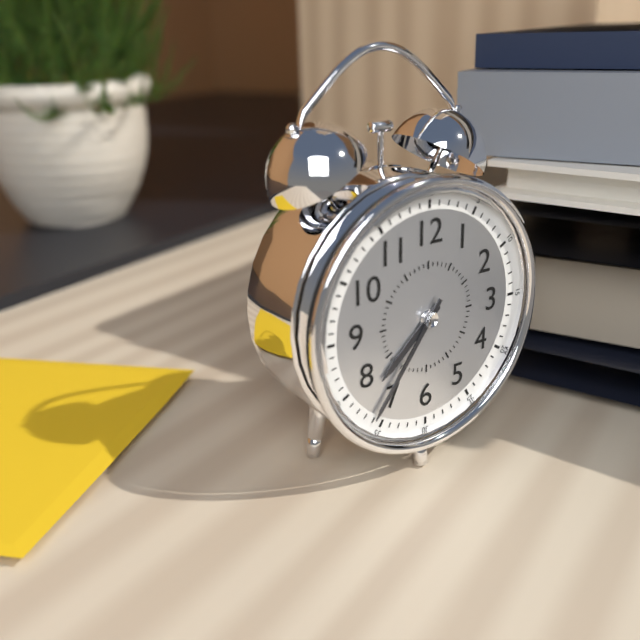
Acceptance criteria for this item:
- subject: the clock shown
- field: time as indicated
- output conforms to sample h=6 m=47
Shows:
h=7 m=36
